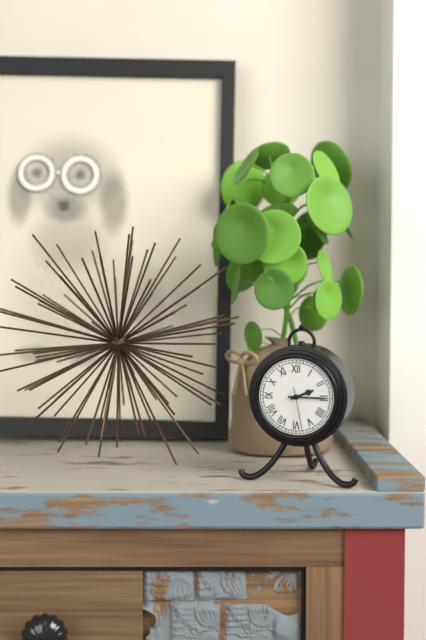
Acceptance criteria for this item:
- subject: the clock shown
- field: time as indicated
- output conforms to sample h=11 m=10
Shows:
h=2 m=15
